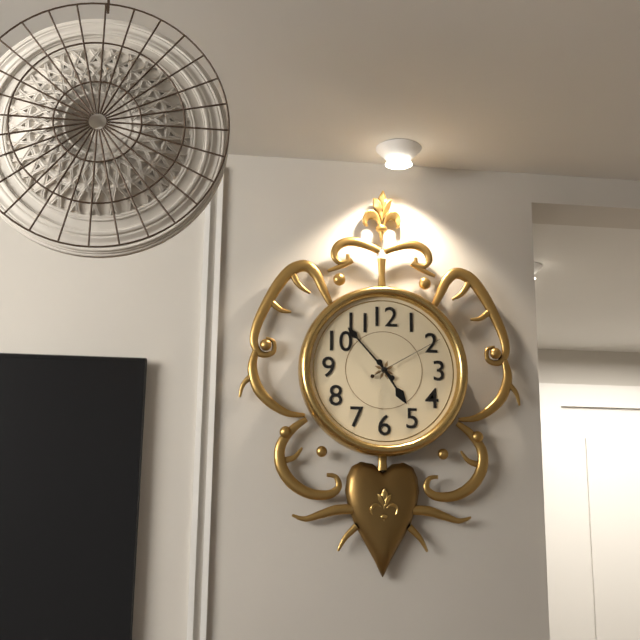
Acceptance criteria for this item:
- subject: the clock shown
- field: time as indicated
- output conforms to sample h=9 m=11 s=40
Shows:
h=4 m=53 s=10
